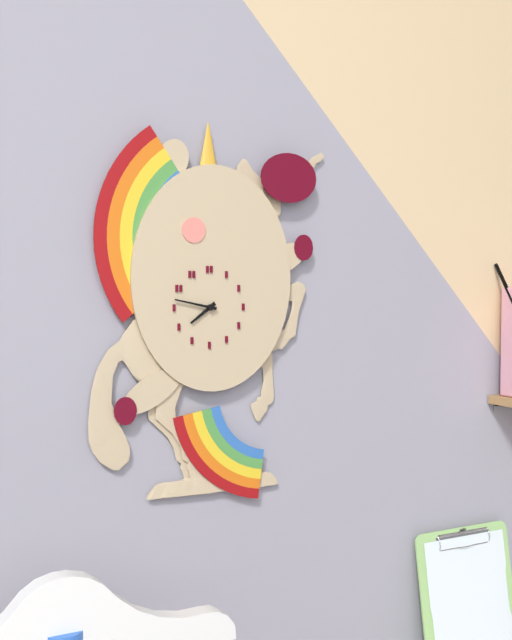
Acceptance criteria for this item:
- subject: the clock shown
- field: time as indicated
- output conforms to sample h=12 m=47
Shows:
h=7 m=47
